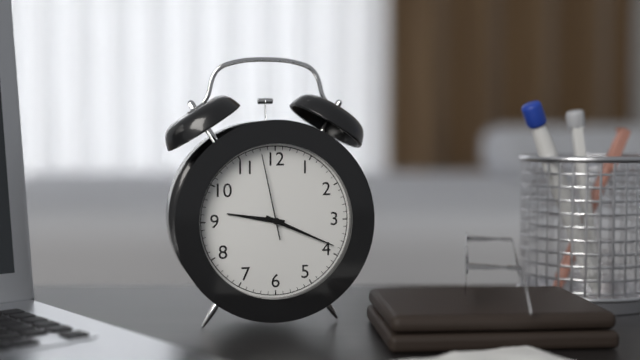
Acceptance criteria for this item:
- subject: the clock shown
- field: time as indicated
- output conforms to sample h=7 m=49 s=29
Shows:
h=9 m=19 s=58
